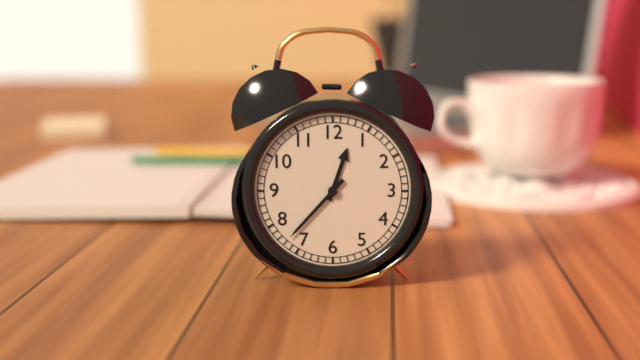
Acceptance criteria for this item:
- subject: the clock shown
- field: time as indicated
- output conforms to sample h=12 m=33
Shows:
h=12 m=37
